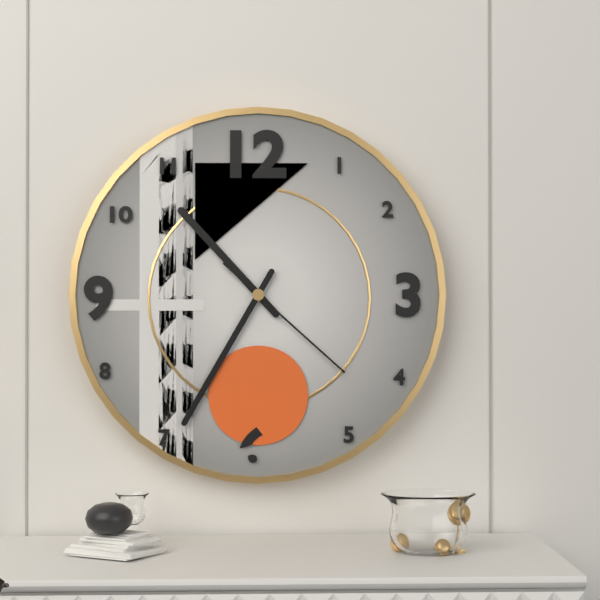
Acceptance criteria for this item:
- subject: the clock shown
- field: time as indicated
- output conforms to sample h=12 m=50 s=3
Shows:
h=10 m=35 s=22
